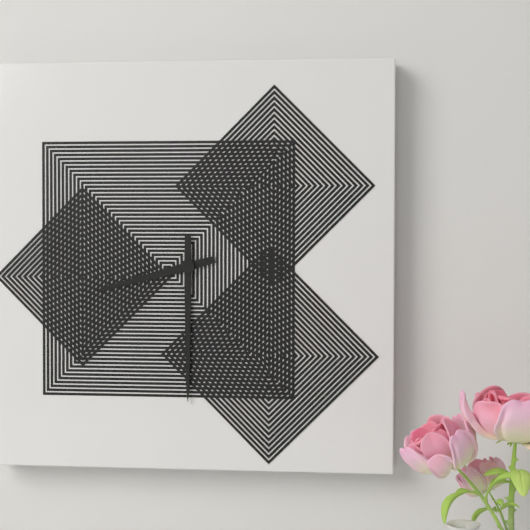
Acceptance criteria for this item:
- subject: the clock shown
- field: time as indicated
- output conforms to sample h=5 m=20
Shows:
h=8 m=30
